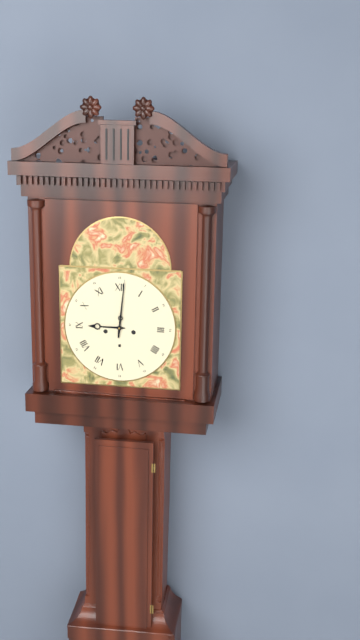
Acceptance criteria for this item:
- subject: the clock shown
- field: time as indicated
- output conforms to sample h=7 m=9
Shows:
h=9 m=1
